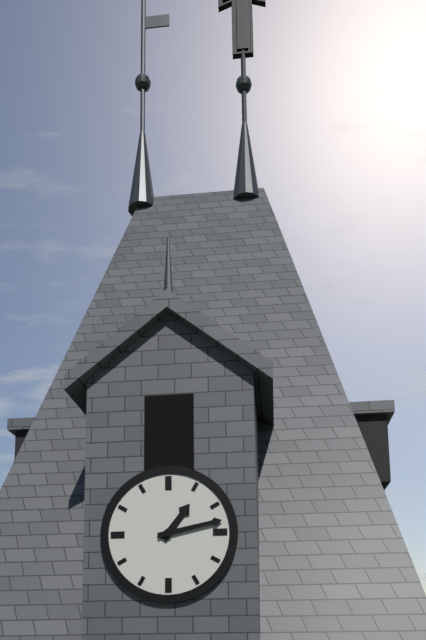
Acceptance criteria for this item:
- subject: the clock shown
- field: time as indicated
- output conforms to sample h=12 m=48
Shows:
h=1 m=13
